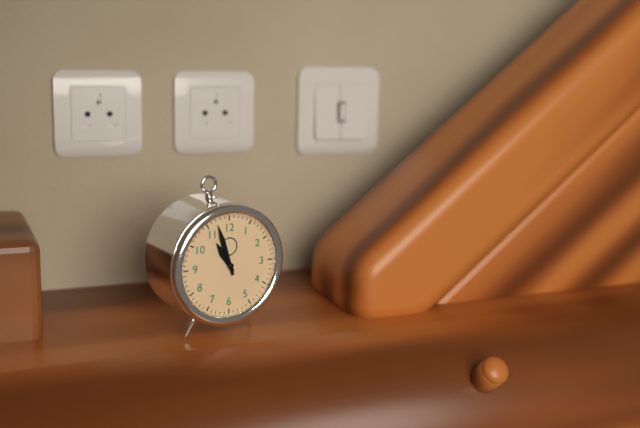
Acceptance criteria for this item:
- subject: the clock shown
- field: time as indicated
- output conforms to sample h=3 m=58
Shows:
h=10 m=57
